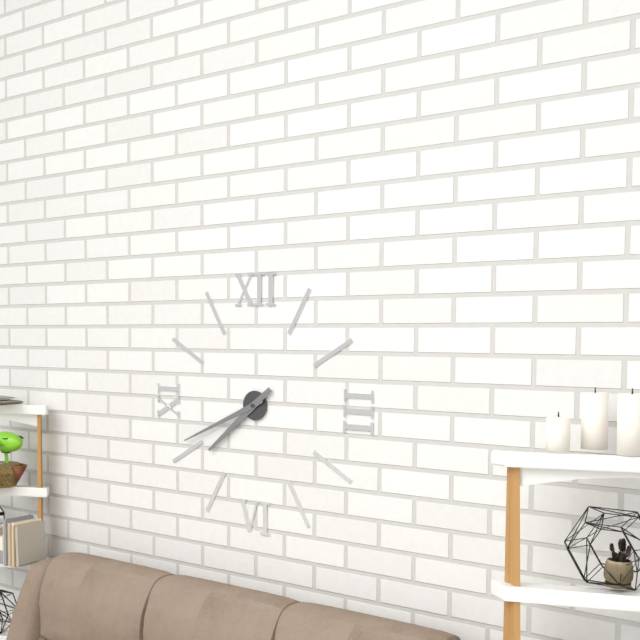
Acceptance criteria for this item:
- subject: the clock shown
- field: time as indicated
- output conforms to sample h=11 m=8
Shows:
h=7 m=41
